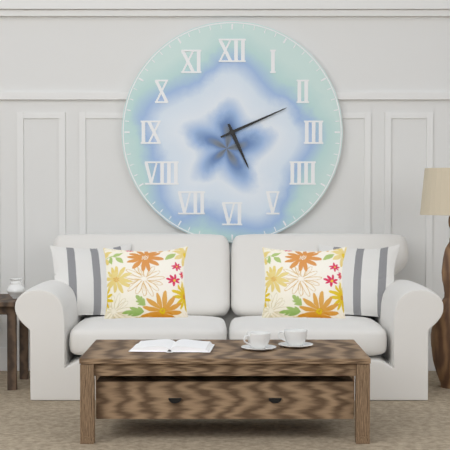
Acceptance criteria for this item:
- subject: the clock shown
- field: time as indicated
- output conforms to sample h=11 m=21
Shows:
h=5 m=11
